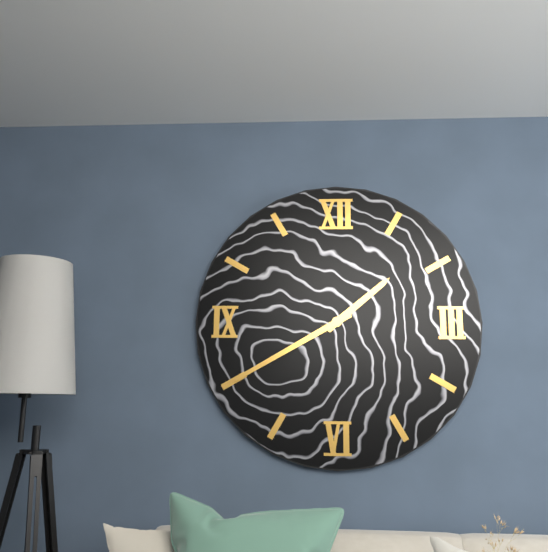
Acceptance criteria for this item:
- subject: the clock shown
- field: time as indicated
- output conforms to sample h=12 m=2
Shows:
h=1 m=40
